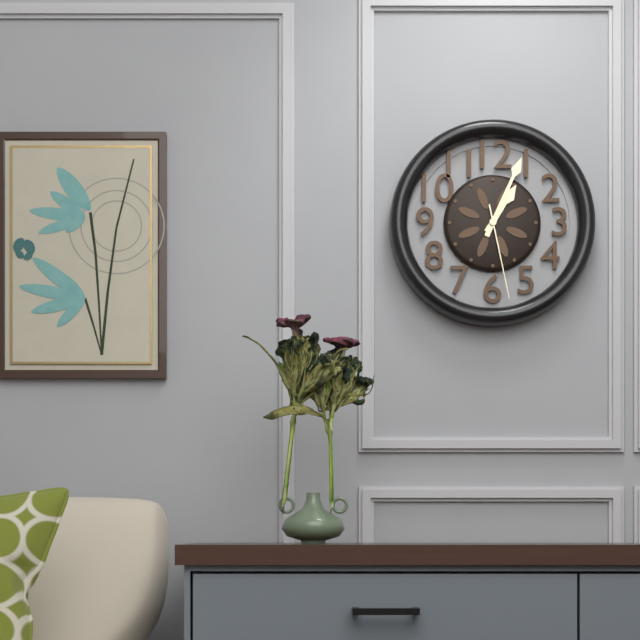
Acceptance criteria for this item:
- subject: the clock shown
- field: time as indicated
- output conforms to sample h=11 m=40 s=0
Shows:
h=1 m=4 s=28
